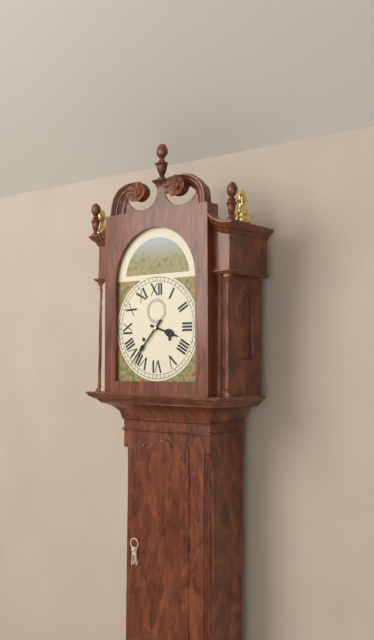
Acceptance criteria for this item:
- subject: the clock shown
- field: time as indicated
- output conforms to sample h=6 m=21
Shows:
h=3 m=37
